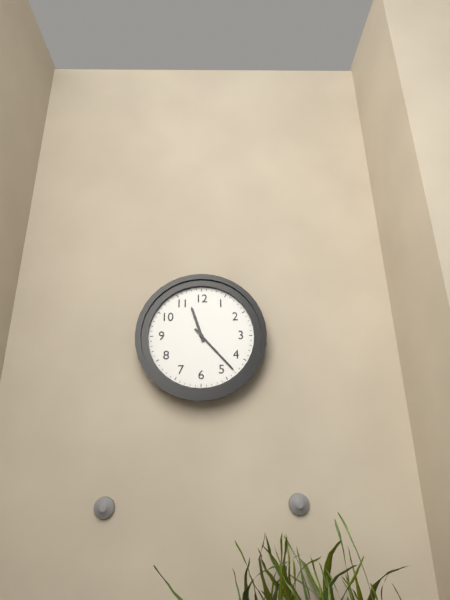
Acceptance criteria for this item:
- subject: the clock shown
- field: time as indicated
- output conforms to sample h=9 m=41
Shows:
h=11 m=23
